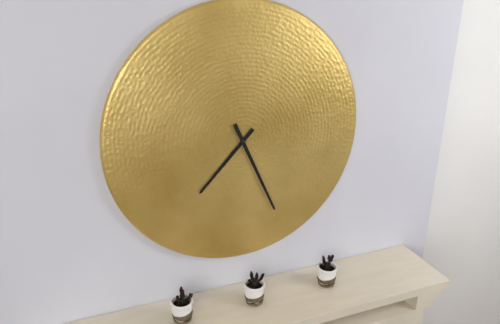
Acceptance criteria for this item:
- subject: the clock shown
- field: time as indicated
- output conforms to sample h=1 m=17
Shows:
h=7 m=26
